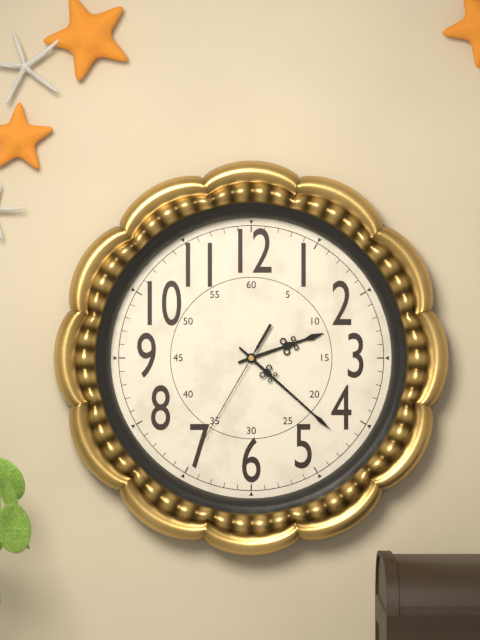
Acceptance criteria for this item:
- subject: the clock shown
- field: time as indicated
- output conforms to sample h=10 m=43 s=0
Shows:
h=2 m=22 s=35
